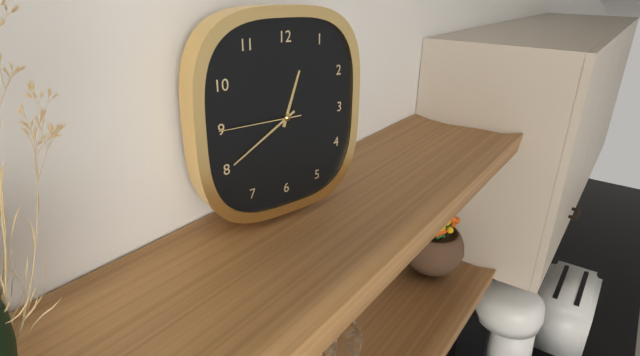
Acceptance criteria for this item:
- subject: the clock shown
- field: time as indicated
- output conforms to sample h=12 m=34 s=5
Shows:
h=12 m=40 s=45
